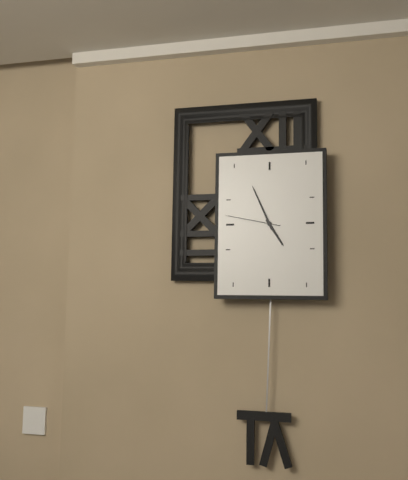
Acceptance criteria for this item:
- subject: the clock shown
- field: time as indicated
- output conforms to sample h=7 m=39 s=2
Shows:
h=4 m=56 s=47
